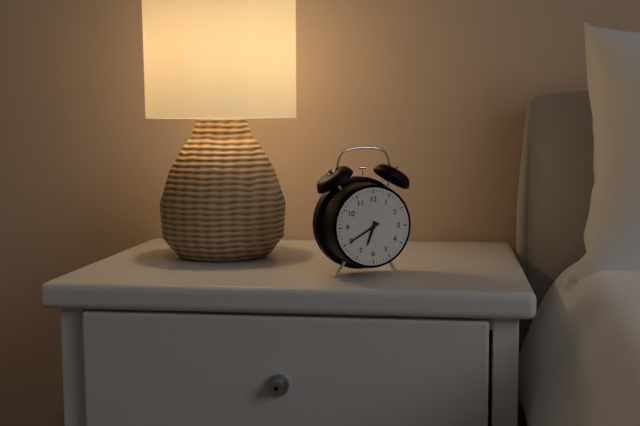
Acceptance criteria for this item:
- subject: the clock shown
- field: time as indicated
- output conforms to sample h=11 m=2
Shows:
h=6 m=40
